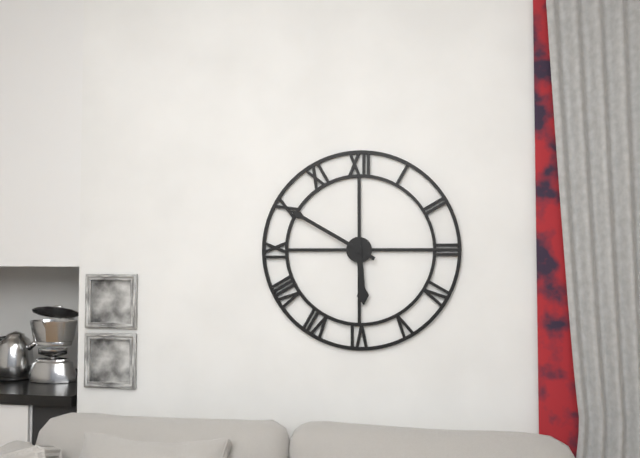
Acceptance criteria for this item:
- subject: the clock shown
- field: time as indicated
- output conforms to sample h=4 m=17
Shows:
h=5 m=50
